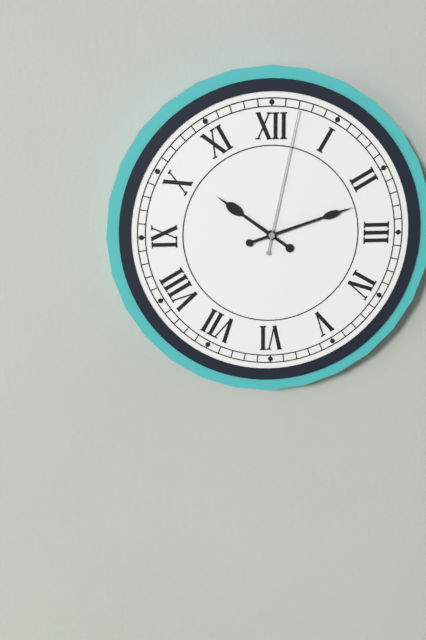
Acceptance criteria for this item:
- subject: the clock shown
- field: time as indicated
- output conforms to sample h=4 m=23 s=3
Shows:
h=10 m=12 s=2
